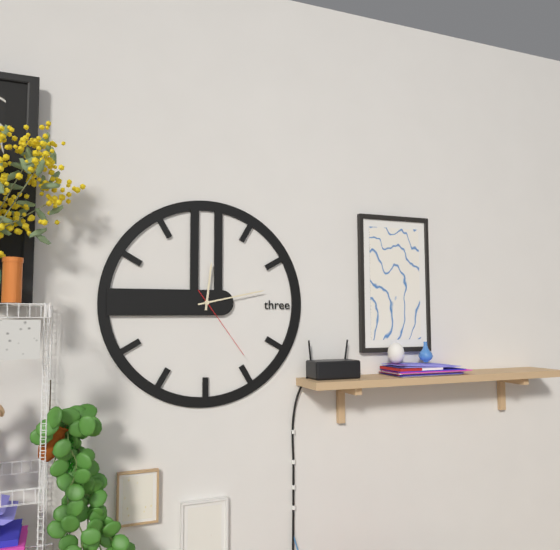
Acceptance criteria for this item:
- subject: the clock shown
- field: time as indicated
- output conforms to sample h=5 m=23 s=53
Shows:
h=12 m=13 s=24
